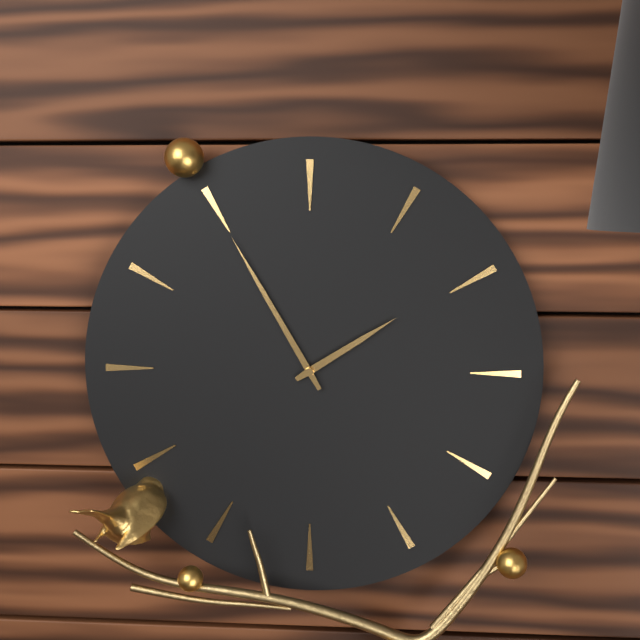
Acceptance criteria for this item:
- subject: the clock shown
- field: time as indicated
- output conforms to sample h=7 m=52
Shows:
h=1 m=55
